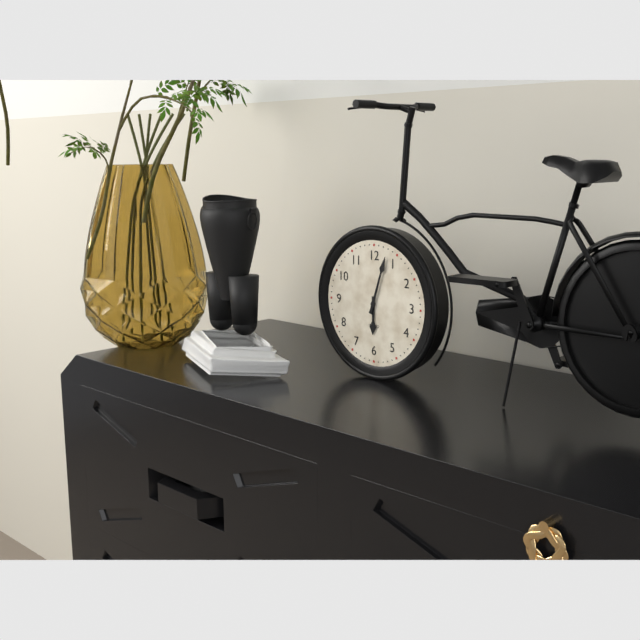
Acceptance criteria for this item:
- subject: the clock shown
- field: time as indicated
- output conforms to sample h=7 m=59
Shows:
h=6 m=3
